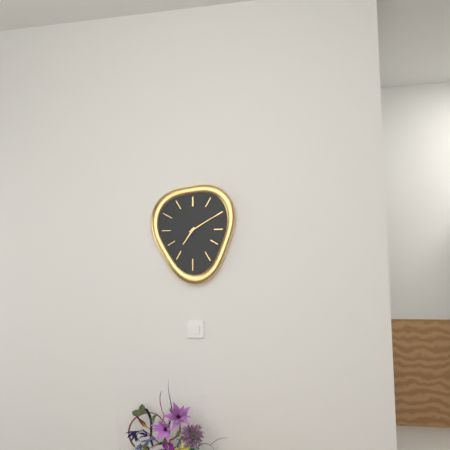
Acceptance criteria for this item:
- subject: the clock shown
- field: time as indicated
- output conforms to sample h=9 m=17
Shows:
h=7 m=10
